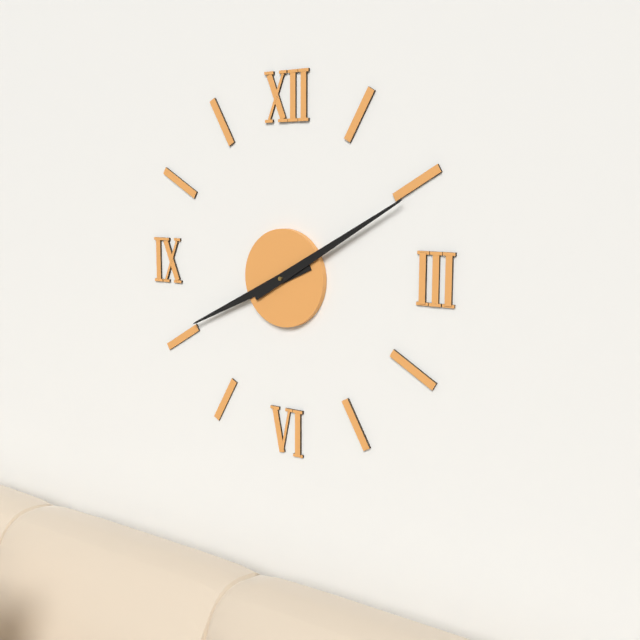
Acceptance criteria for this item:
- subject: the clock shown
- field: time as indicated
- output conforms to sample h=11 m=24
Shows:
h=8 m=10
